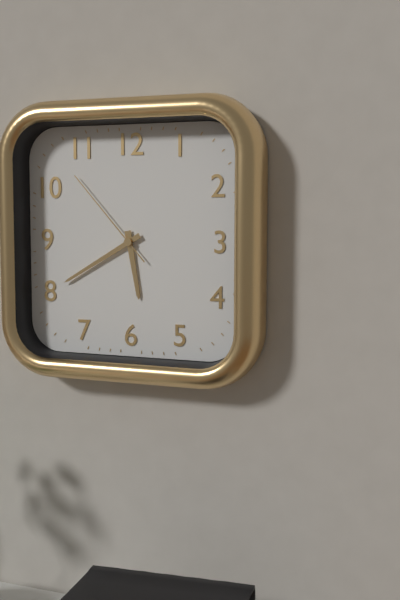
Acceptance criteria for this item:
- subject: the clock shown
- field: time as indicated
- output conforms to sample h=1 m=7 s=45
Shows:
h=5 m=40 s=53
